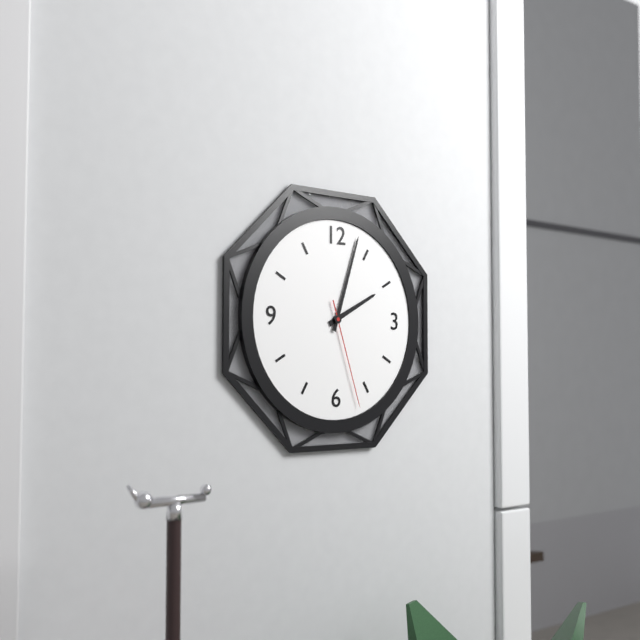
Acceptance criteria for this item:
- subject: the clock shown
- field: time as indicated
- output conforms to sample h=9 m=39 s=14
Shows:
h=2 m=3 s=27
